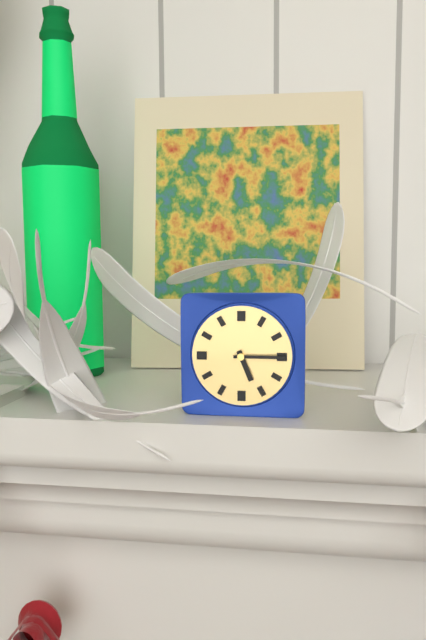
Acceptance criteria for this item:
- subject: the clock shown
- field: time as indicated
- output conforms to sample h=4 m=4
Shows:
h=5 m=15
